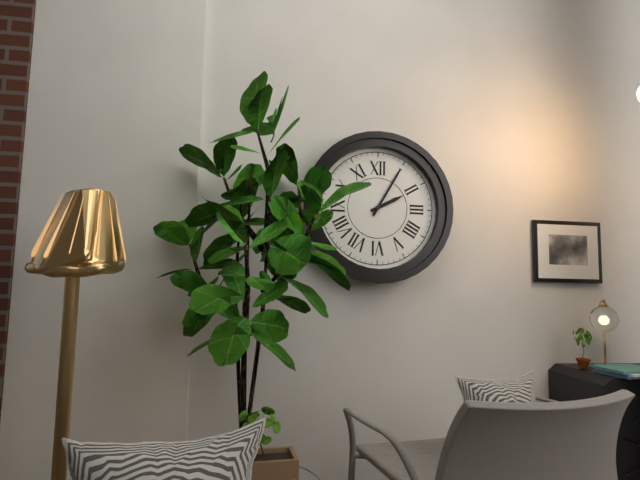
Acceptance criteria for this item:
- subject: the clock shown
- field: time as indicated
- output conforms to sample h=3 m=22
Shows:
h=2 m=5
